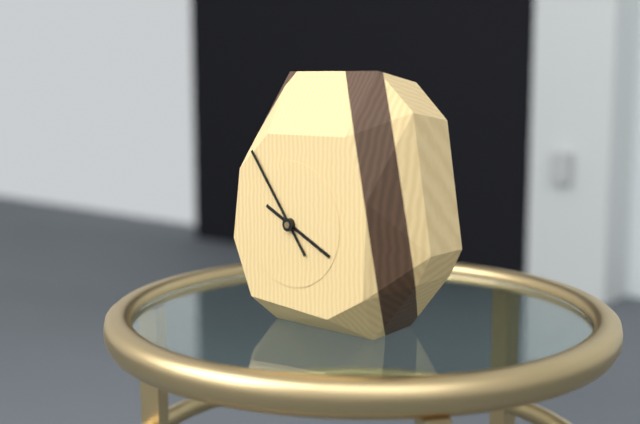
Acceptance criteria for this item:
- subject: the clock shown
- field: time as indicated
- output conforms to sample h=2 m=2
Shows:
h=3 m=54
